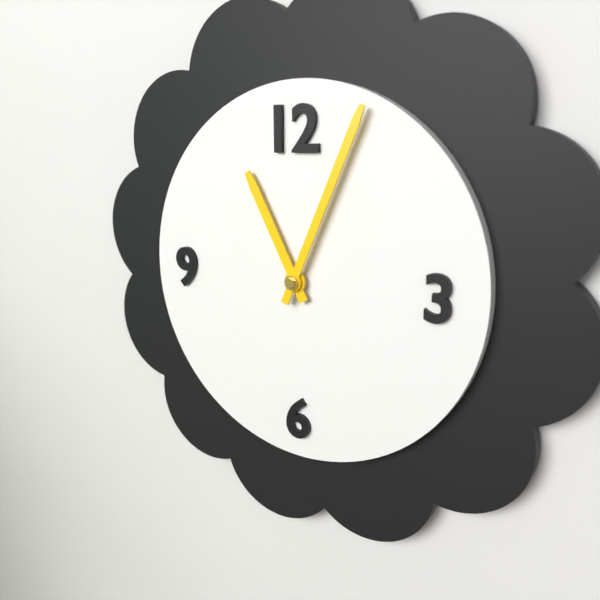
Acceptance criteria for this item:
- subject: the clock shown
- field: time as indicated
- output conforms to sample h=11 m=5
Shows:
h=11 m=4
